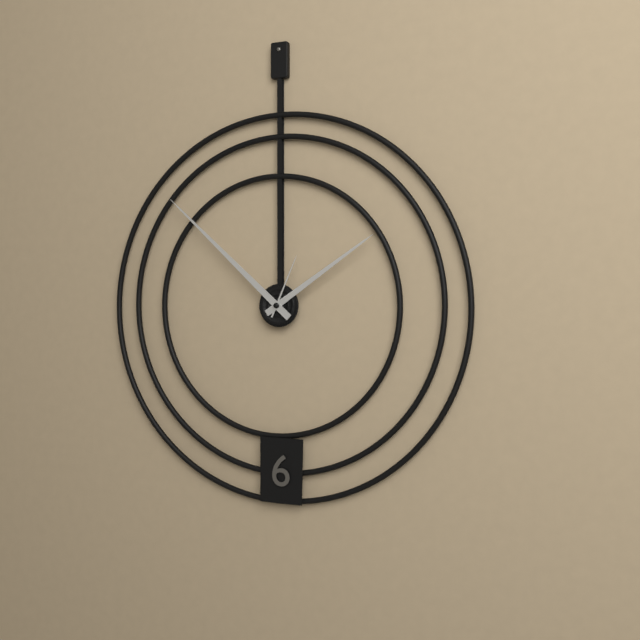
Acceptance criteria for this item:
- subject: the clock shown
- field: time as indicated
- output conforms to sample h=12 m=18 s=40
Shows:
h=1 m=52 s=4
